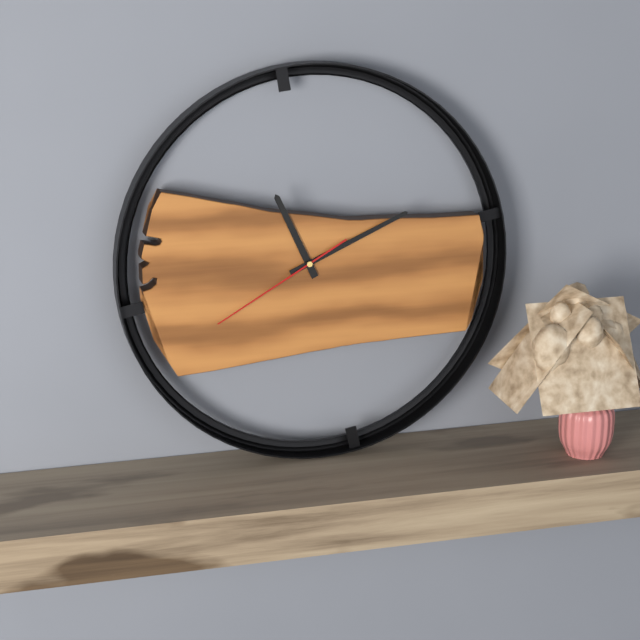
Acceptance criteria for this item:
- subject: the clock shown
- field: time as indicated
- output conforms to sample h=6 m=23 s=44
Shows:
h=11 m=11 s=40
